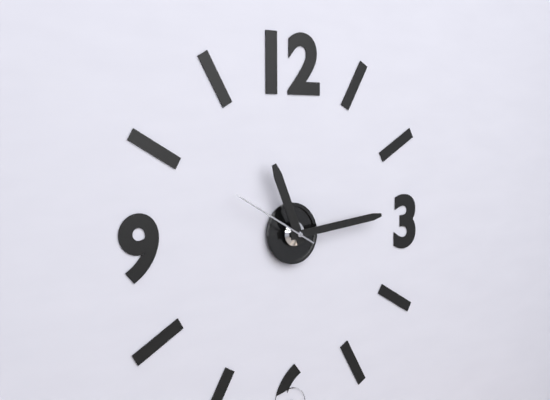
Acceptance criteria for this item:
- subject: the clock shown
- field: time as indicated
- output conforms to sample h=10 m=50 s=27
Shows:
h=11 m=14 s=50
